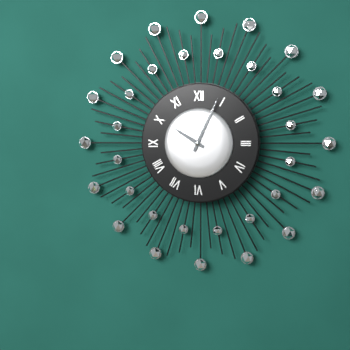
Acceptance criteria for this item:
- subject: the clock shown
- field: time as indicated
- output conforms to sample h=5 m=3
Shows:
h=10 m=4
